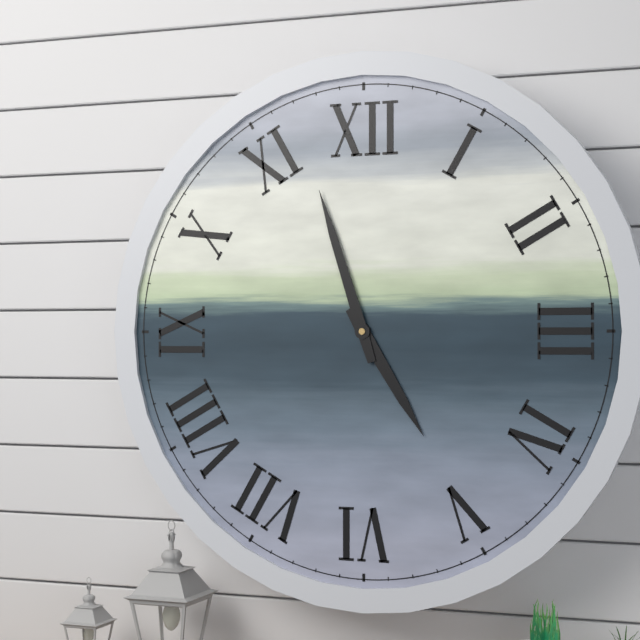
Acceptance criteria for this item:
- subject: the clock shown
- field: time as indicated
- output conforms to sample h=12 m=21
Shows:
h=4 m=57
